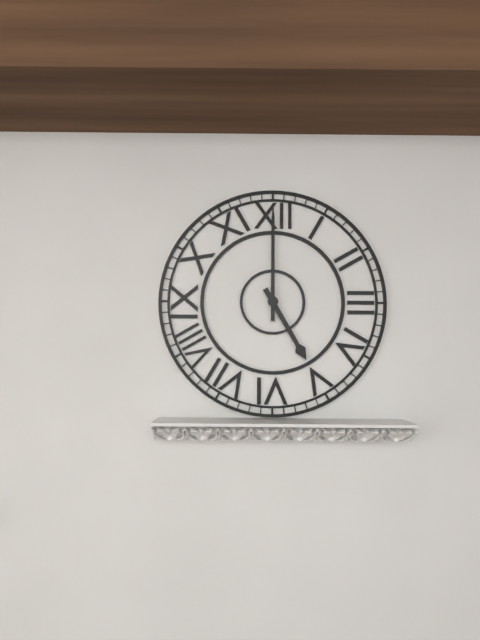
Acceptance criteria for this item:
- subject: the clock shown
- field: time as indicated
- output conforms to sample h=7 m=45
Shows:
h=5 m=0
